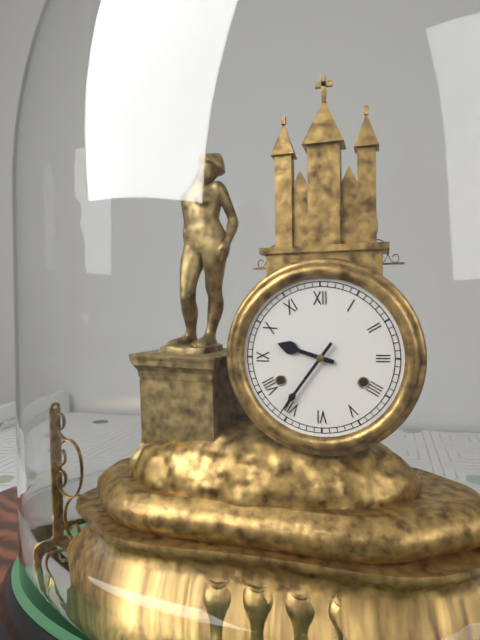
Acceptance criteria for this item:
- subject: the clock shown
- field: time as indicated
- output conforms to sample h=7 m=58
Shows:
h=9 m=36
